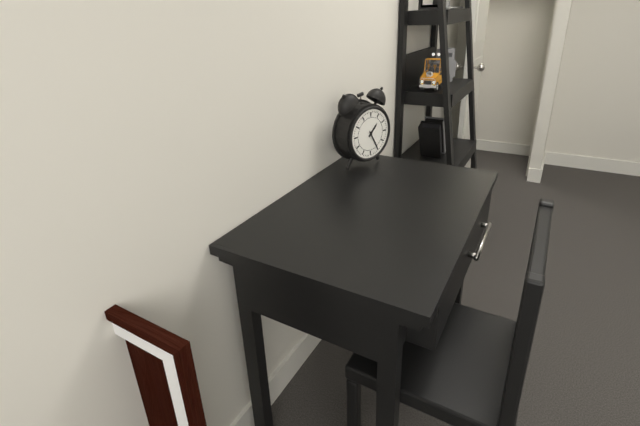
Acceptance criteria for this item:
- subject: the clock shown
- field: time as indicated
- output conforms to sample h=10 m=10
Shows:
h=1 m=25
